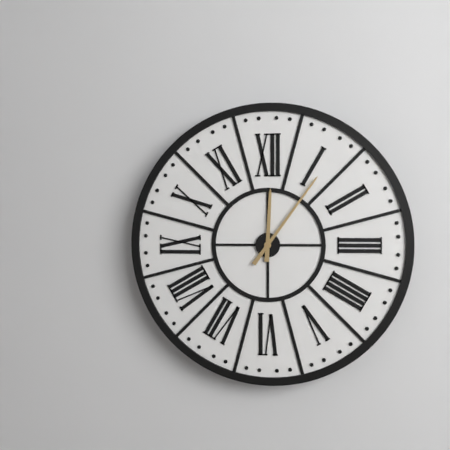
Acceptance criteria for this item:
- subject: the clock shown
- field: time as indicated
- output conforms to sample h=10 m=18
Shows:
h=12 m=6
